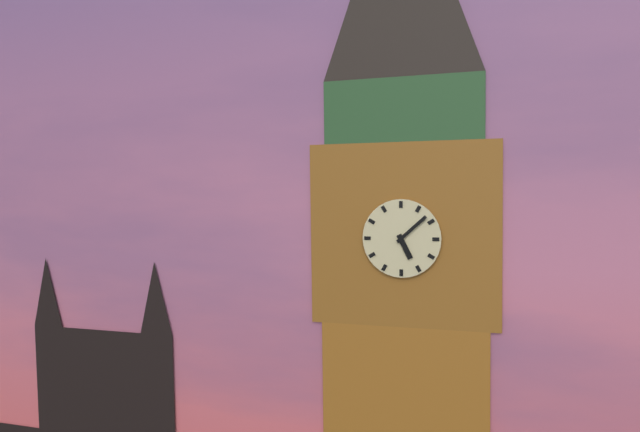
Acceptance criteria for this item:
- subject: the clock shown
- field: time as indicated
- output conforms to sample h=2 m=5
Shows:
h=5 m=8
